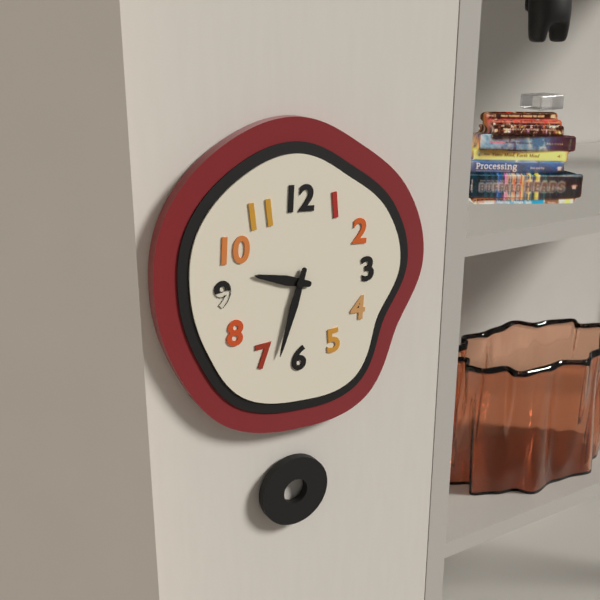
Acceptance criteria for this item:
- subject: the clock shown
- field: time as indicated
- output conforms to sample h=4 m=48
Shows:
h=9 m=33
